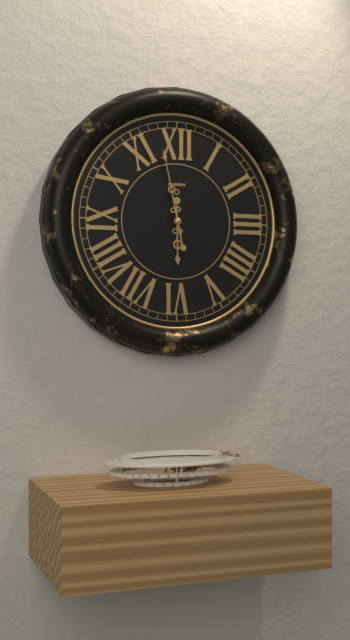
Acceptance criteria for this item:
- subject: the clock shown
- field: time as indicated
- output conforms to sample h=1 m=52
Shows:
h=5 m=58
